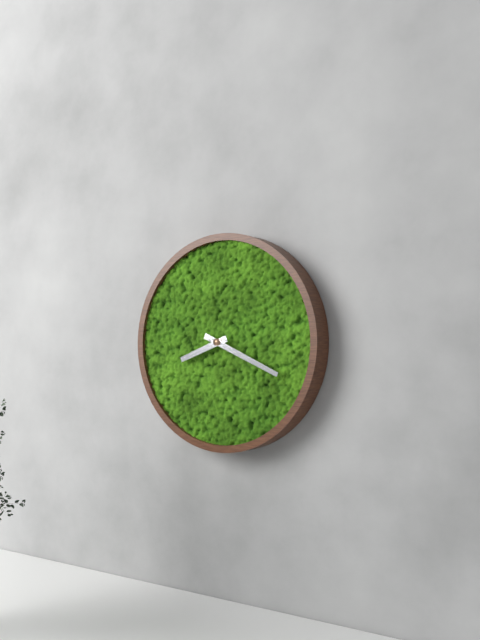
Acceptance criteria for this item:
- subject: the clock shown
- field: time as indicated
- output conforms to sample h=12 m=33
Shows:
h=8 m=19
